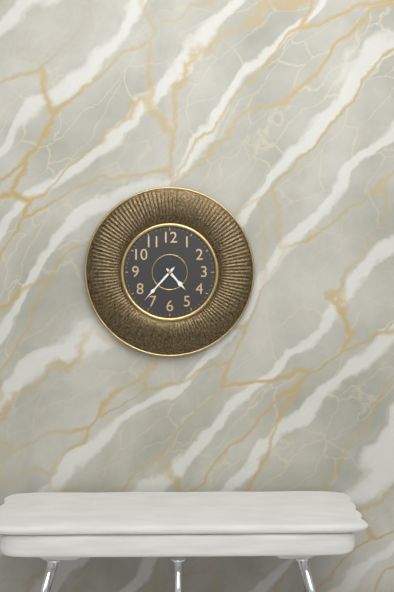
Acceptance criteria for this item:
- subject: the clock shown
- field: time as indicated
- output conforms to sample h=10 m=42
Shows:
h=4 m=37
